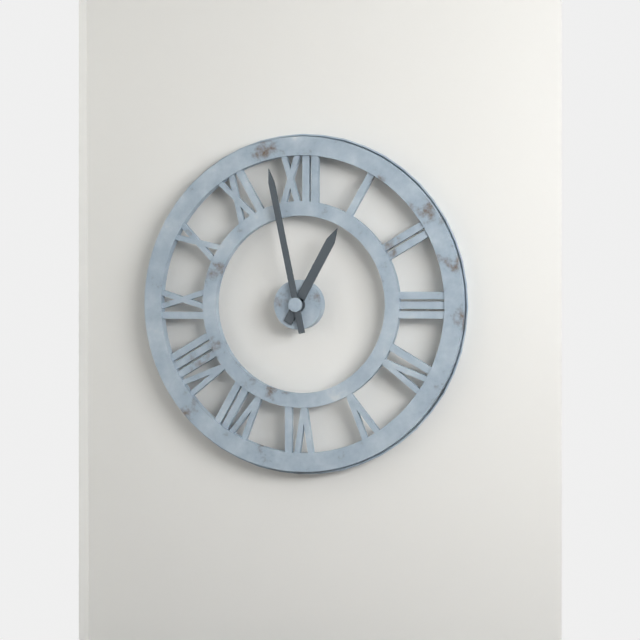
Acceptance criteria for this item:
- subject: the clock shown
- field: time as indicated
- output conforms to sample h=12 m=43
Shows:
h=12 m=58
